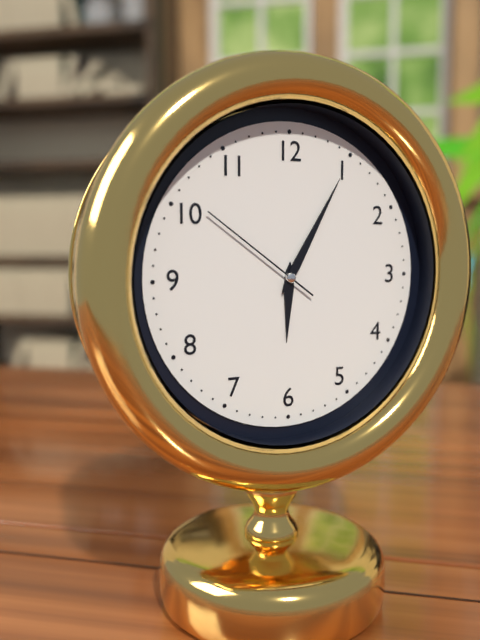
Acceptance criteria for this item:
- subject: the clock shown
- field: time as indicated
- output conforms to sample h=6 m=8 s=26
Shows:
h=6 m=5 s=51
